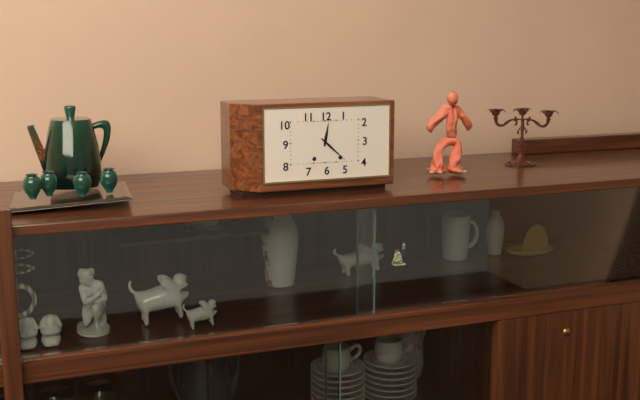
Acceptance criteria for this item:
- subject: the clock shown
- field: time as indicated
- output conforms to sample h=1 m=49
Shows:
h=12 m=22
